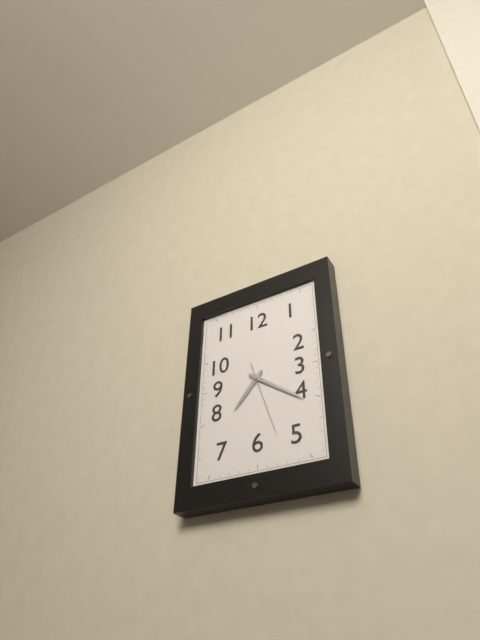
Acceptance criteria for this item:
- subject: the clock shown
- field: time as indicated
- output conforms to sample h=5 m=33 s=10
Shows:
h=7 m=21 s=27
